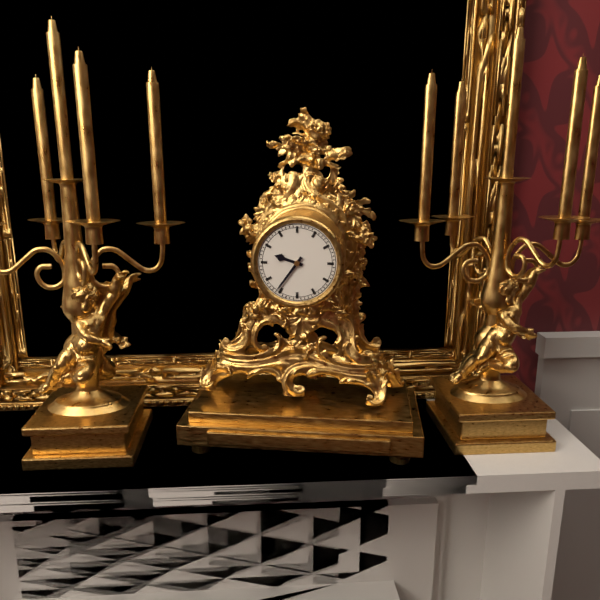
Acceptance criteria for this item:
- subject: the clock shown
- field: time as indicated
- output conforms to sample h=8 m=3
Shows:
h=9 m=36
